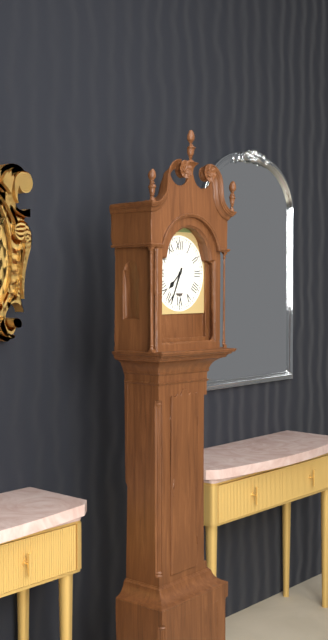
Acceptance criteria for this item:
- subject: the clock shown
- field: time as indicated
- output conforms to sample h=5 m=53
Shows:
h=7 m=34
